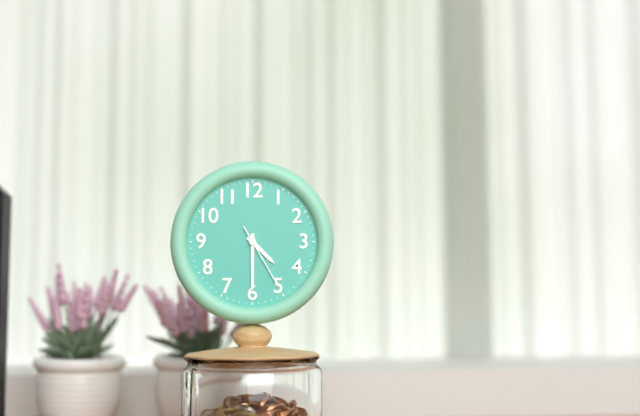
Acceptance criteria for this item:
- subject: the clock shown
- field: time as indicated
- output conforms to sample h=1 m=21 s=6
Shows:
h=4 m=30 s=25
